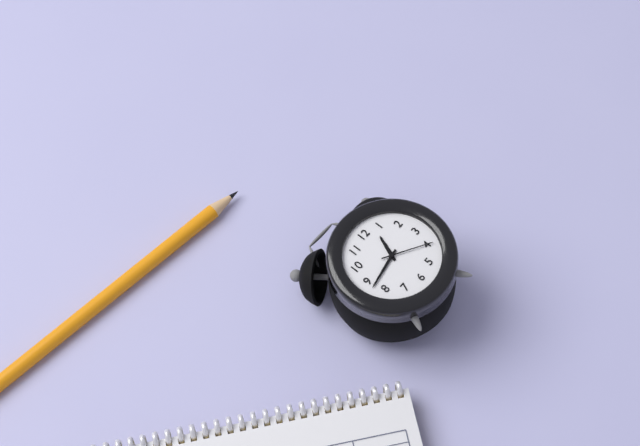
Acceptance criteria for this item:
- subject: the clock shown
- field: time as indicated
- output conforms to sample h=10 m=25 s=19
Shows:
h=12 m=43 s=20
